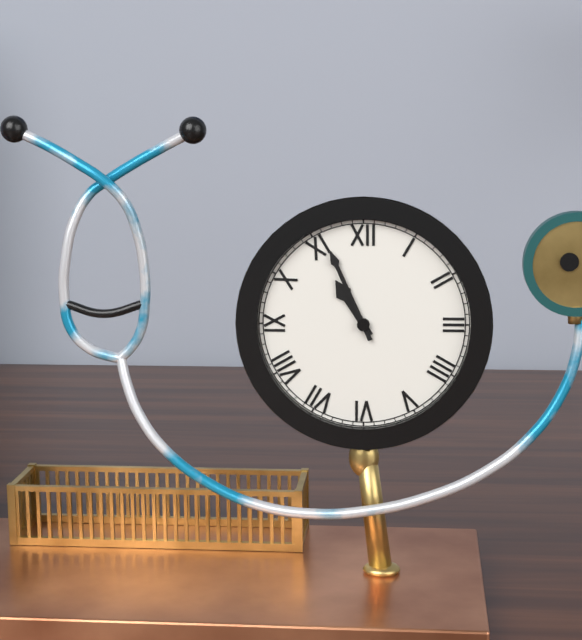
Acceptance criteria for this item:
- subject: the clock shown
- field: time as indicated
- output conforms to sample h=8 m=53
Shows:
h=10 m=56
